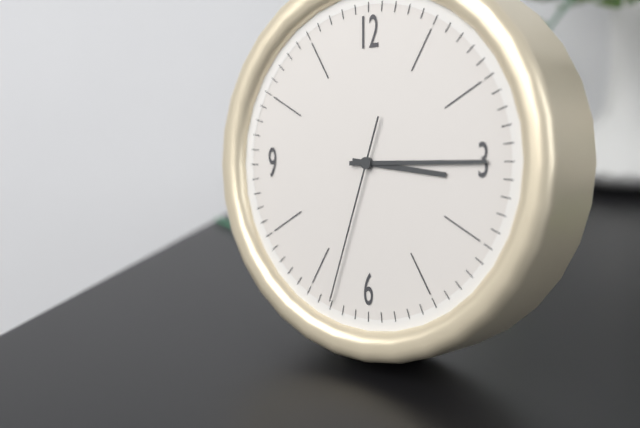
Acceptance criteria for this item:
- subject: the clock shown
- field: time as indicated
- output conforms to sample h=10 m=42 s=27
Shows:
h=3 m=15 s=33
